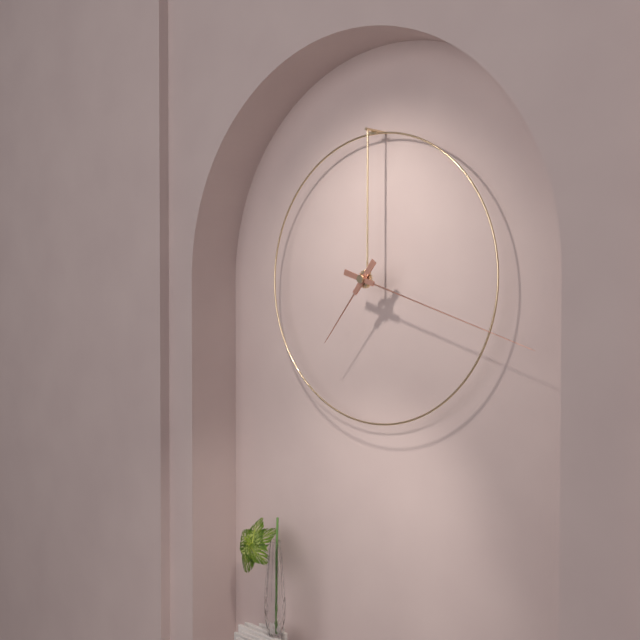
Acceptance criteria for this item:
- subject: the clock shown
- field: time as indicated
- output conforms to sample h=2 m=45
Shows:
h=7 m=18
